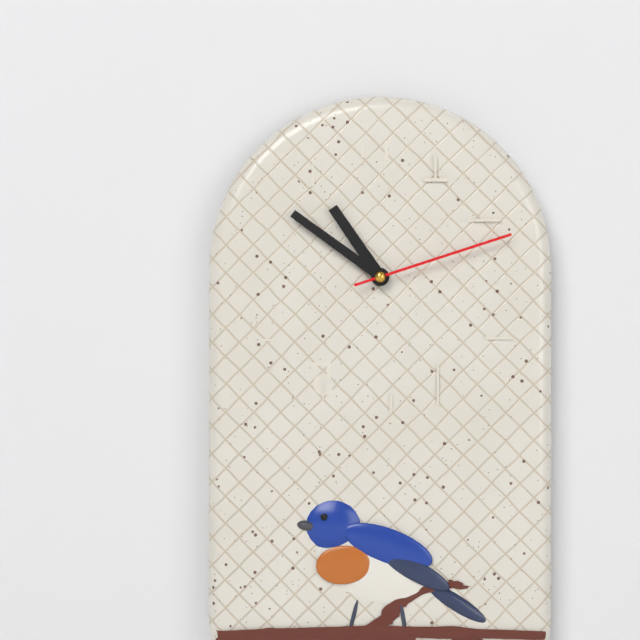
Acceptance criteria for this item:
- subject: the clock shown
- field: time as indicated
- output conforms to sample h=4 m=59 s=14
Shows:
h=10 m=51 s=12
